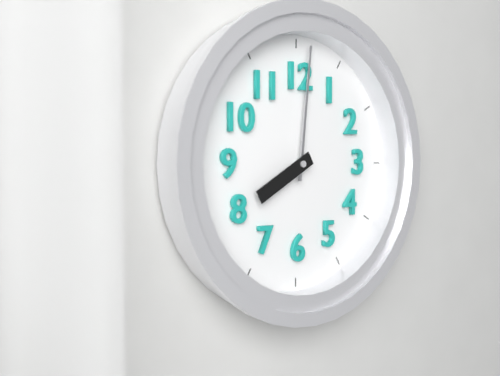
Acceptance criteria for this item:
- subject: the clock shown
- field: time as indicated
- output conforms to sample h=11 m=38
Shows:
h=8 m=1
